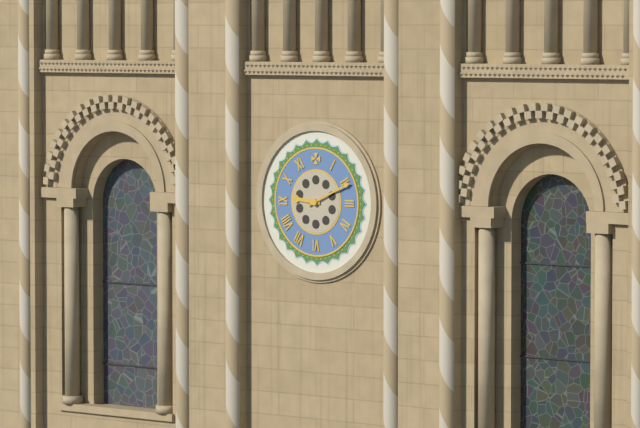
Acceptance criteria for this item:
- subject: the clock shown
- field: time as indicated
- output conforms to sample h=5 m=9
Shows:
h=9 m=11
